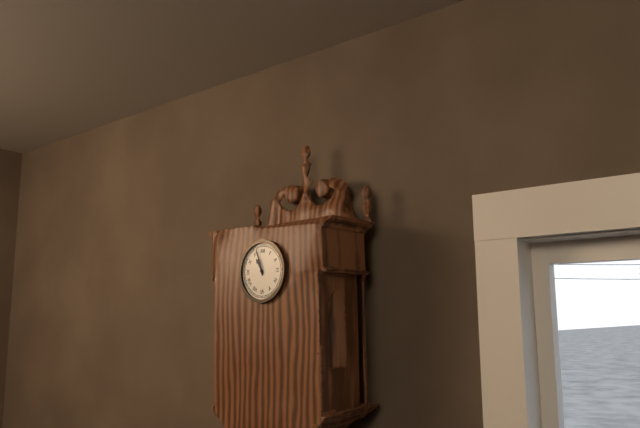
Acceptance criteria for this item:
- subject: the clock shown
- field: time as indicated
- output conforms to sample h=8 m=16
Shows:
h=10 m=57
